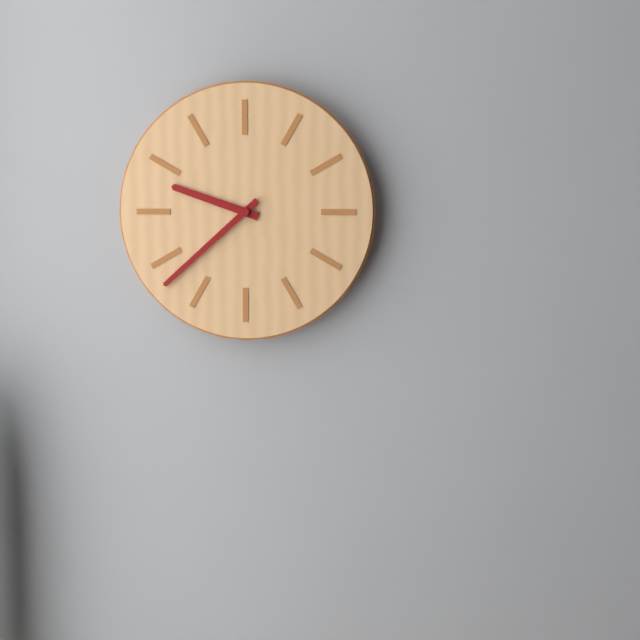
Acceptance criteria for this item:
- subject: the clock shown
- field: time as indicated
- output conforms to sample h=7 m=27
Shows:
h=9 m=38
